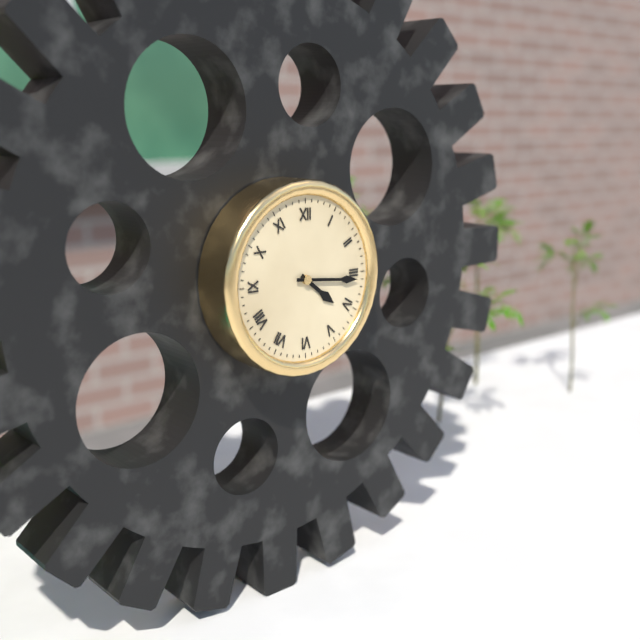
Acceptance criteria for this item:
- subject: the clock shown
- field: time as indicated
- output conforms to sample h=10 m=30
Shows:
h=4 m=16
